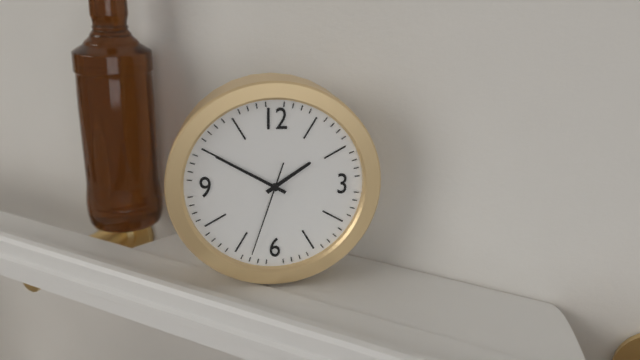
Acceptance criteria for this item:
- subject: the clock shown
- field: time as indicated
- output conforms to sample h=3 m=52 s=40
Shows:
h=1 m=50 s=33
